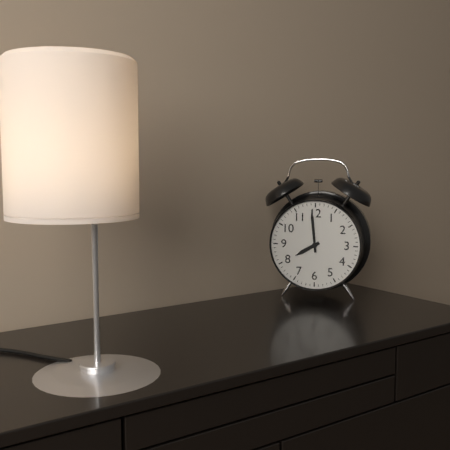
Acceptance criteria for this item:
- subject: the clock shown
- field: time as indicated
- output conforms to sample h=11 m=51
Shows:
h=7 m=59
